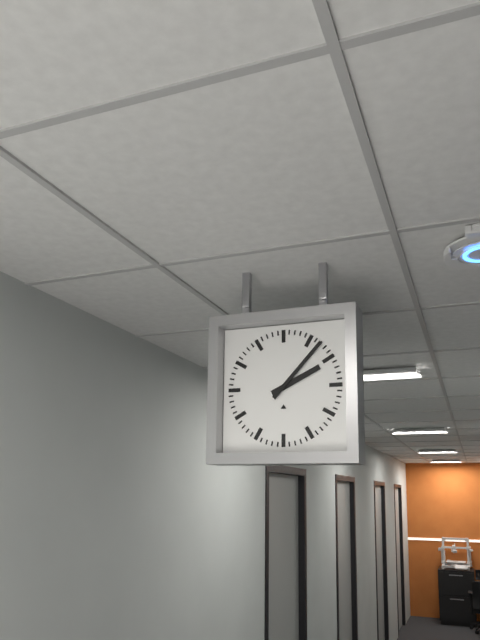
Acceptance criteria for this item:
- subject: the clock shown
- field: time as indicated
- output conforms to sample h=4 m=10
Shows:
h=2 m=7
